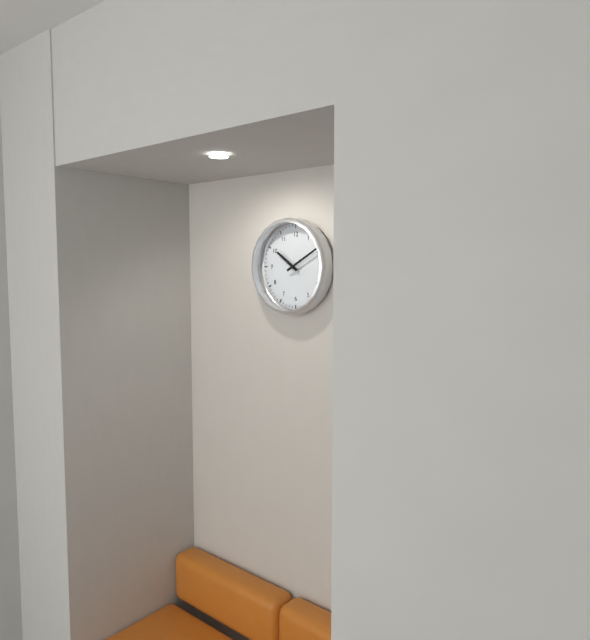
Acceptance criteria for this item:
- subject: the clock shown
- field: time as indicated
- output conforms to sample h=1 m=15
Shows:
h=10 m=10
